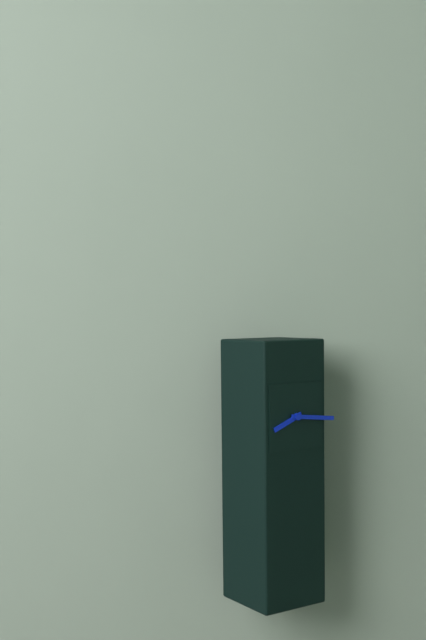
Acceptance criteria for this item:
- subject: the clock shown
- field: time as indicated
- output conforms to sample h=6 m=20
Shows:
h=8 m=16
